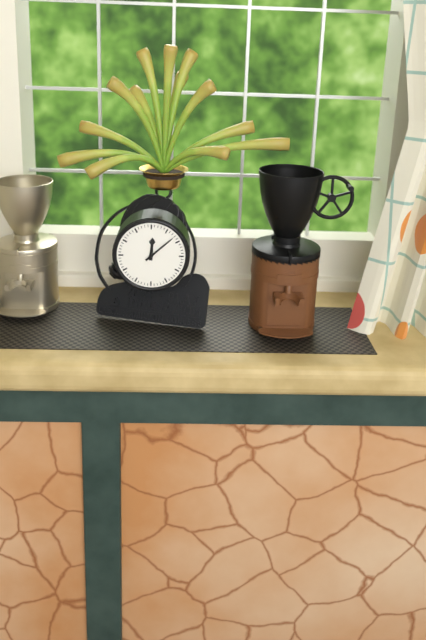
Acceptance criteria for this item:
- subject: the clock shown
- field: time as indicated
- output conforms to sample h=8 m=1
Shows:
h=12 m=8
